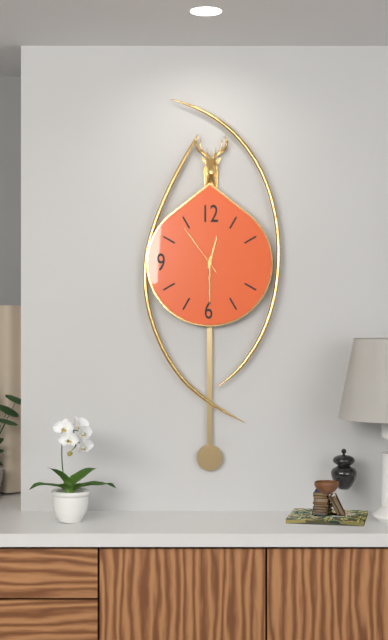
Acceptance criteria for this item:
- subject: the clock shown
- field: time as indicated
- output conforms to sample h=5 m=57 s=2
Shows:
h=12 m=30 s=54
